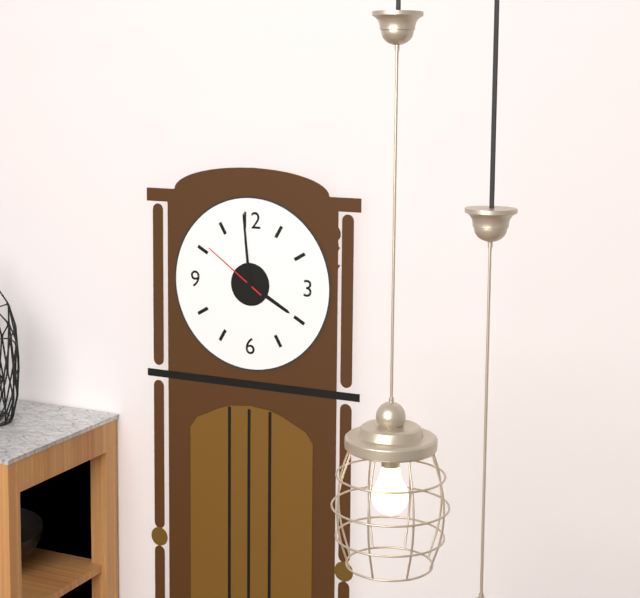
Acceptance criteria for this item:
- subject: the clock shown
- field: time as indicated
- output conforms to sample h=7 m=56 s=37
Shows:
h=3 m=59 s=51
